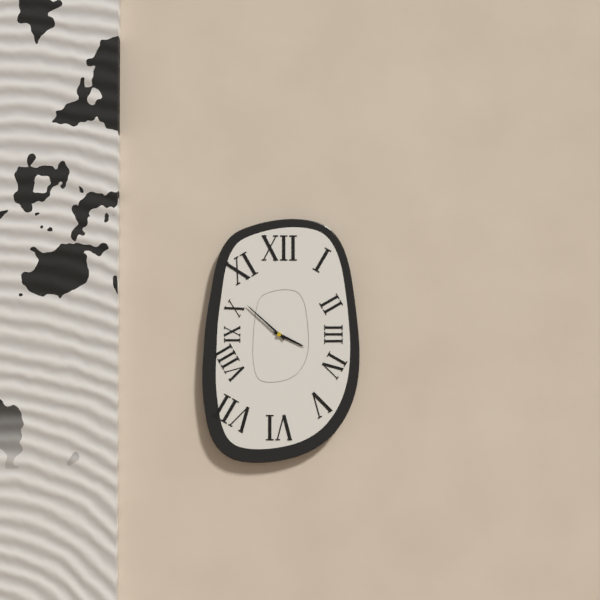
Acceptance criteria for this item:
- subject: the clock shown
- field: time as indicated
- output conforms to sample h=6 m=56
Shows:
h=3 m=52
